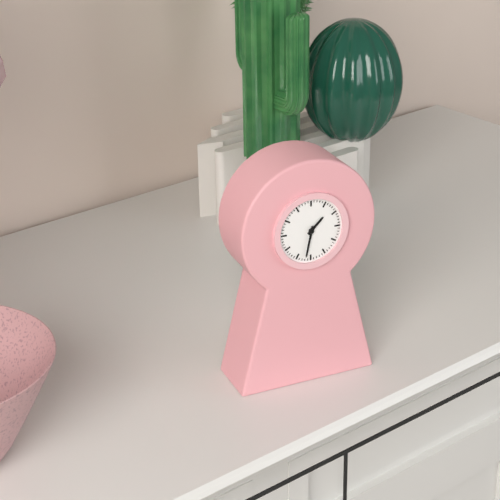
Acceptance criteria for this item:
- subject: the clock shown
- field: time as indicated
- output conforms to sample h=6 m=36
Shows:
h=1 m=32
